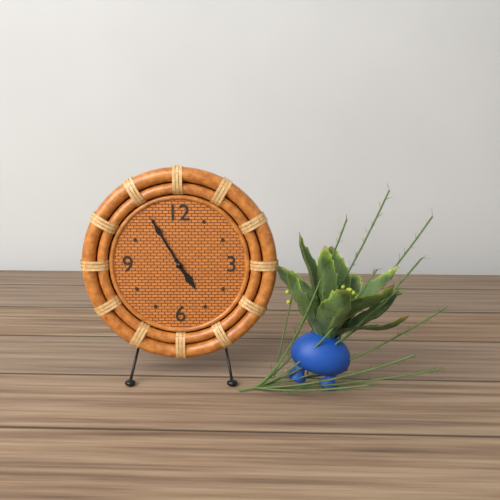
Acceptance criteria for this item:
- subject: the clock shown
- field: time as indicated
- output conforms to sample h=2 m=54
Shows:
h=4 m=55
